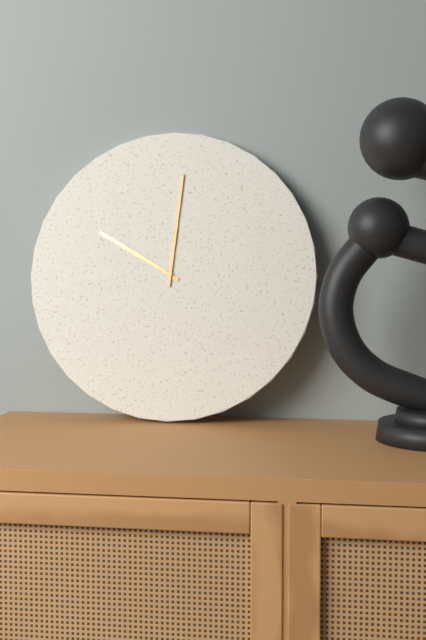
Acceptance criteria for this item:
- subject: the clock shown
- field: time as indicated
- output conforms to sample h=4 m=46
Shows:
h=10 m=1
